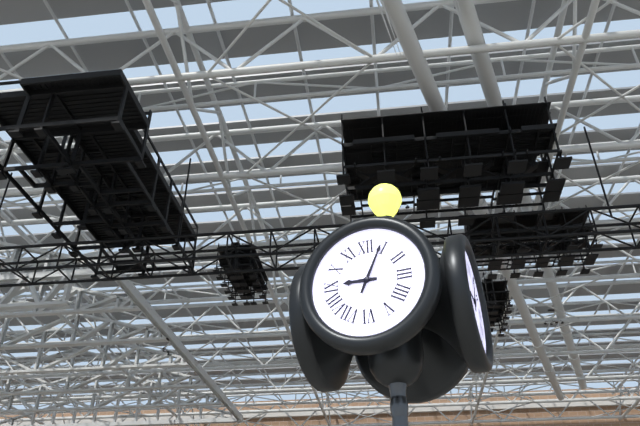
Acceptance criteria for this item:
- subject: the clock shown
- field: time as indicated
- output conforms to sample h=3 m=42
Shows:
h=9 m=4
